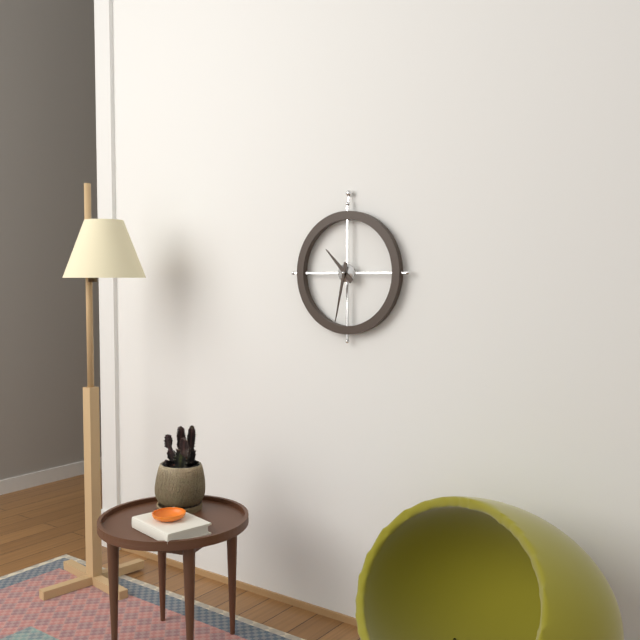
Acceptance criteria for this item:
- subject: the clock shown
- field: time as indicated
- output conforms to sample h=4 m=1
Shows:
h=10 m=32
